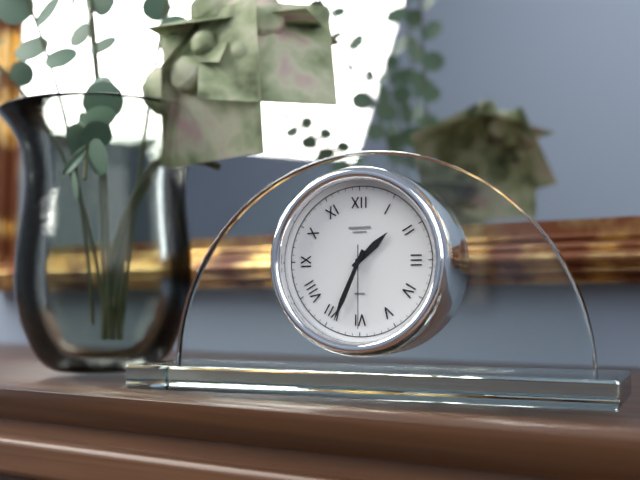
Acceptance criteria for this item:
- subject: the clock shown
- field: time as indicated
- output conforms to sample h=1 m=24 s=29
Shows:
h=1 m=34 s=30
